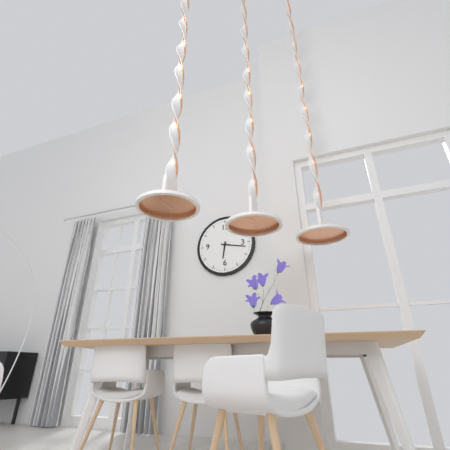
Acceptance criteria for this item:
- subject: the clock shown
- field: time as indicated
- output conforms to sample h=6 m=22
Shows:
h=6 m=17
